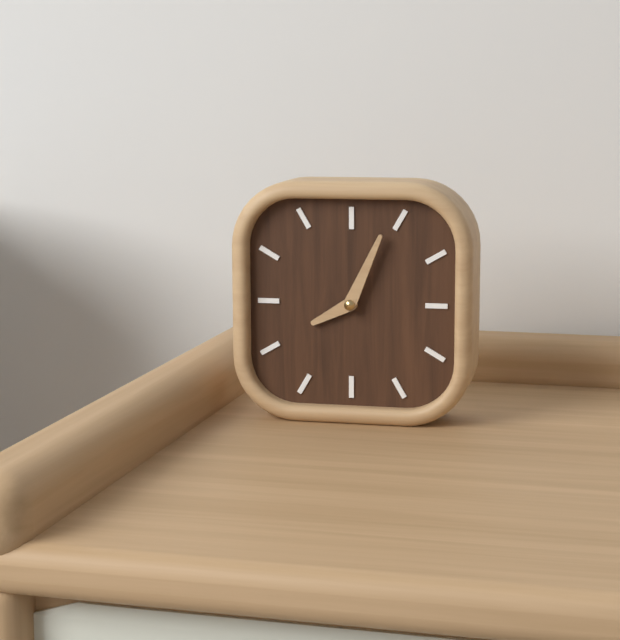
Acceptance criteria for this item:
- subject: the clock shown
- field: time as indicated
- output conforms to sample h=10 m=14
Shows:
h=8 m=4
